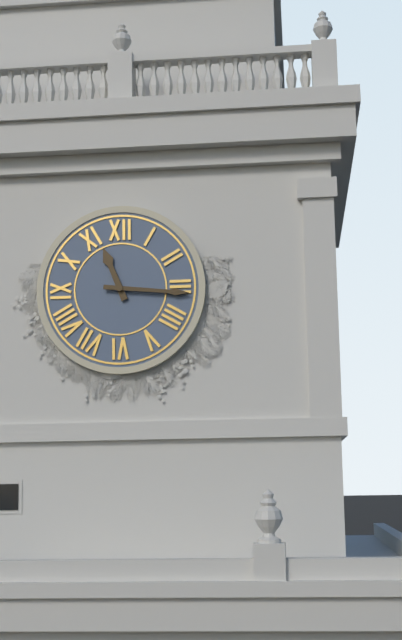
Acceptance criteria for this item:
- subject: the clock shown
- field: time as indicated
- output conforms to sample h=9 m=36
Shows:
h=11 m=16
